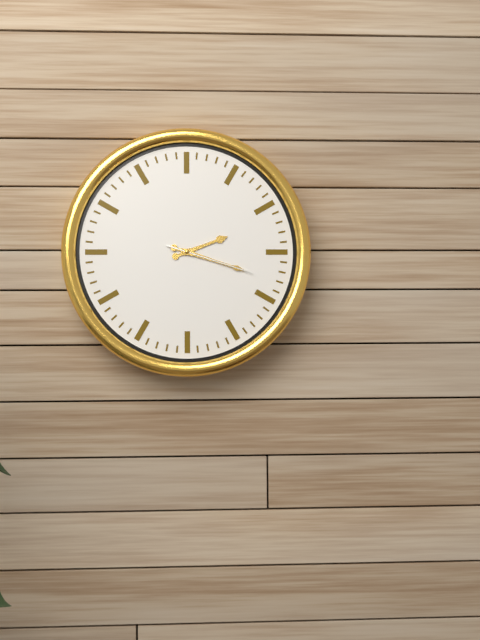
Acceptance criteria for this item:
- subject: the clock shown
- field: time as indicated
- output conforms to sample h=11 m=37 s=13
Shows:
h=2 m=18 s=18
